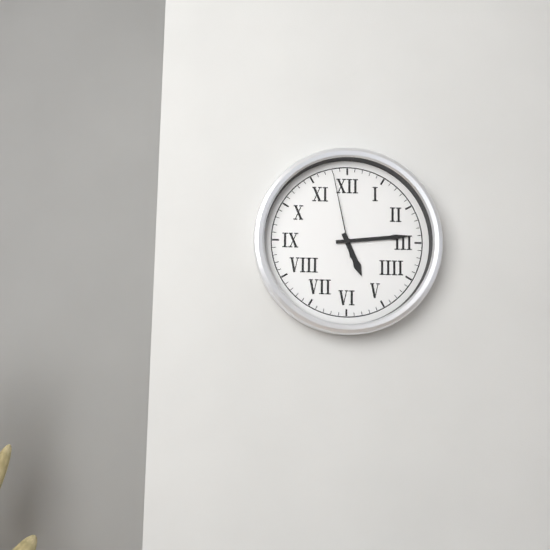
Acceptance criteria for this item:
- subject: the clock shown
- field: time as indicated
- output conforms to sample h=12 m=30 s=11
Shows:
h=5 m=14 s=58
